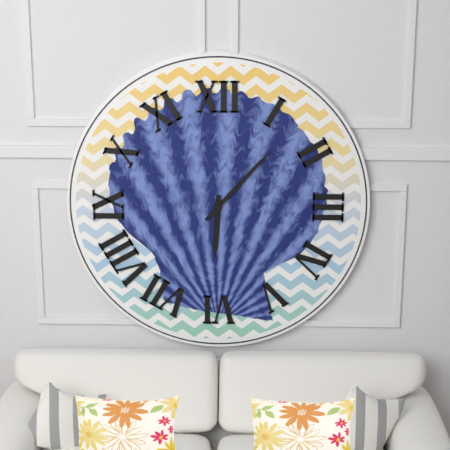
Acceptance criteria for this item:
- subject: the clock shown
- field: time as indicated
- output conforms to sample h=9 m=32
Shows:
h=6 m=7
